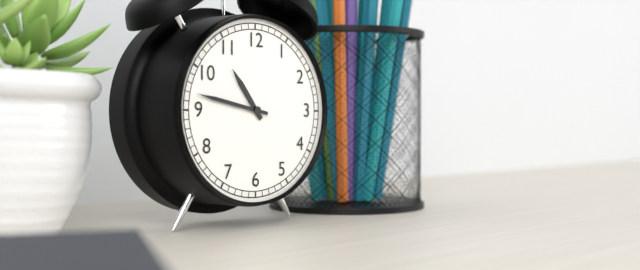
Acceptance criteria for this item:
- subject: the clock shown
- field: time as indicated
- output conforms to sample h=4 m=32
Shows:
h=10 m=47
